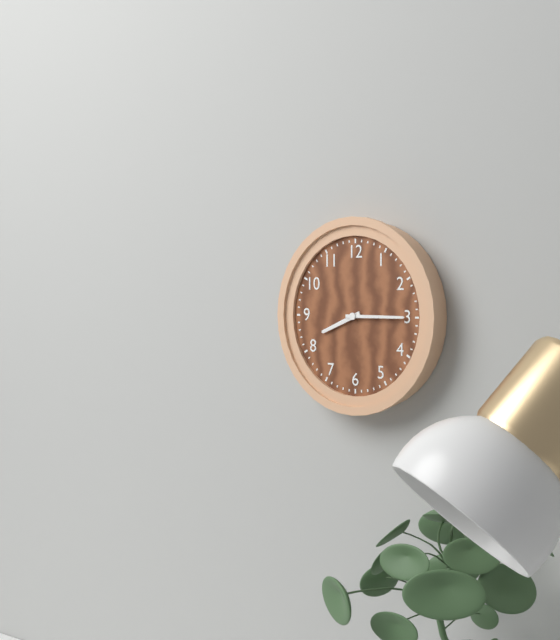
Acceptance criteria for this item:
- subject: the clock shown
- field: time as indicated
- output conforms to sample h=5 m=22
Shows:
h=8 m=15
